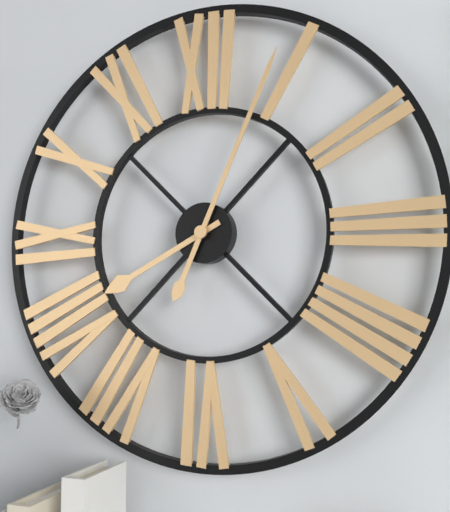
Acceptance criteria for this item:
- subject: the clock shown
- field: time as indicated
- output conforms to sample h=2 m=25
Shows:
h=8 m=4
